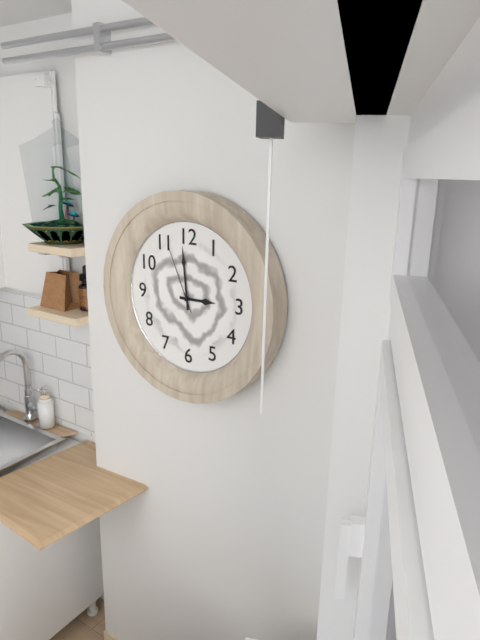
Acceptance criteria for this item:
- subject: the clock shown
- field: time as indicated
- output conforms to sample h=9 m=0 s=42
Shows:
h=2 m=59 s=56
